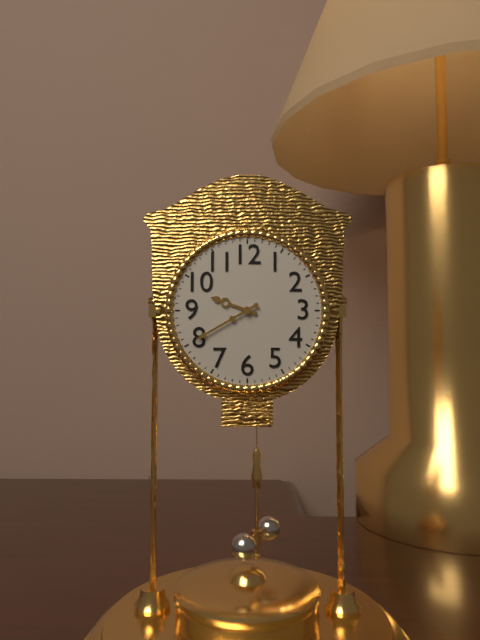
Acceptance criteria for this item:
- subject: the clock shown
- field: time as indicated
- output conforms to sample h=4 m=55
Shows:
h=9 m=40
